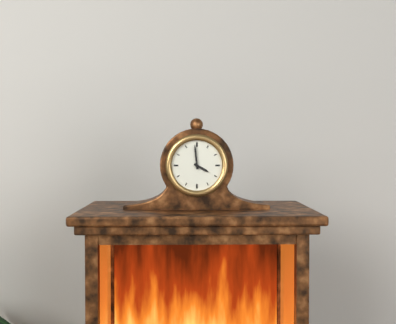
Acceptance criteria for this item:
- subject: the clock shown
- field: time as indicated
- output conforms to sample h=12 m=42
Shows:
h=3 m=59
